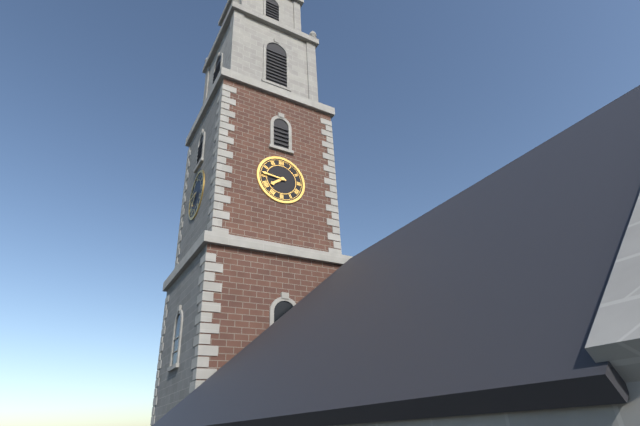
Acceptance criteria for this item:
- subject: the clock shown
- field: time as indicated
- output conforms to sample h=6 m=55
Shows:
h=7 m=46
